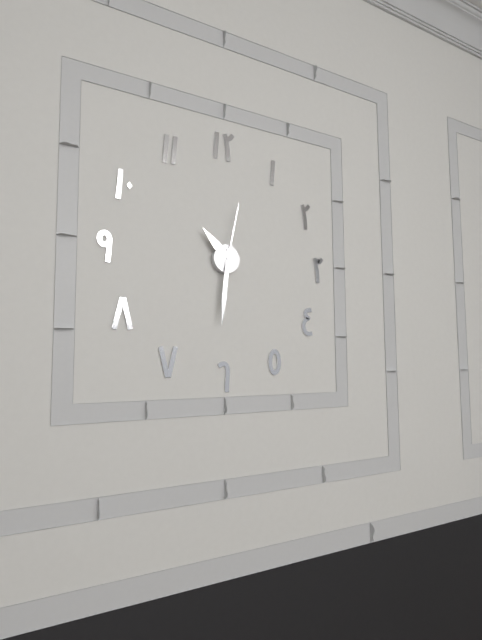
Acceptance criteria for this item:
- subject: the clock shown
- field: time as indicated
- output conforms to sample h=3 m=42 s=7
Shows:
h=10 m=31 s=2
